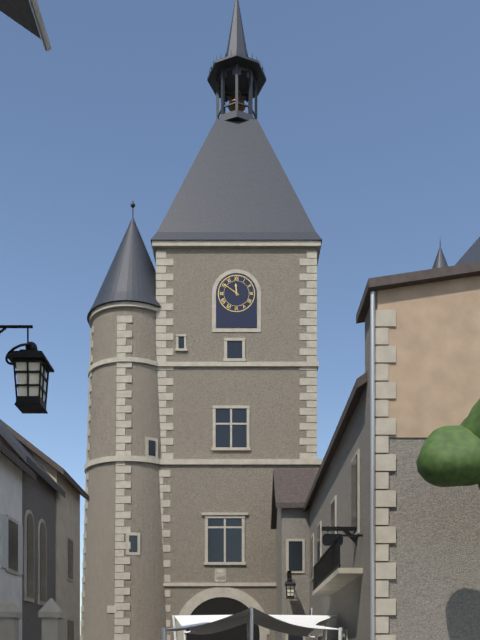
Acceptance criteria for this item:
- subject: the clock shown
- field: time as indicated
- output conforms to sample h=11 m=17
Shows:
h=11 m=51
